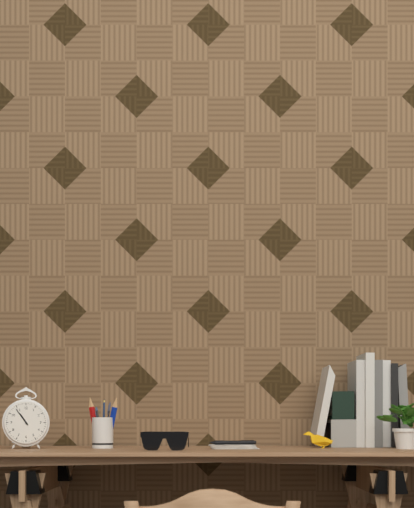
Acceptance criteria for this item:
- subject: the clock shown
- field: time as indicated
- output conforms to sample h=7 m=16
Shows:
h=10 m=54
